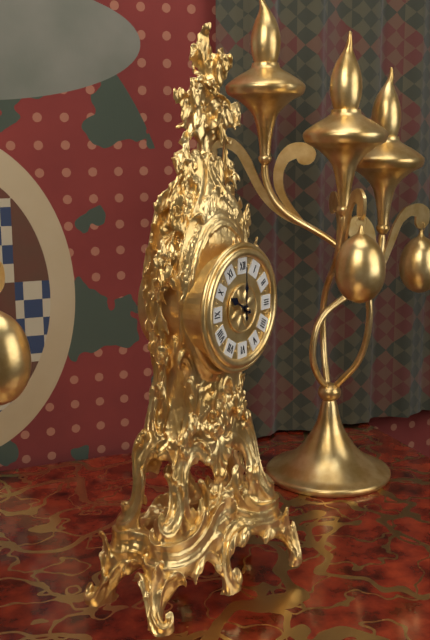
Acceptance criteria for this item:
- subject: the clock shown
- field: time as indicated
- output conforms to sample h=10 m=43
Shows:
h=10 m=0
